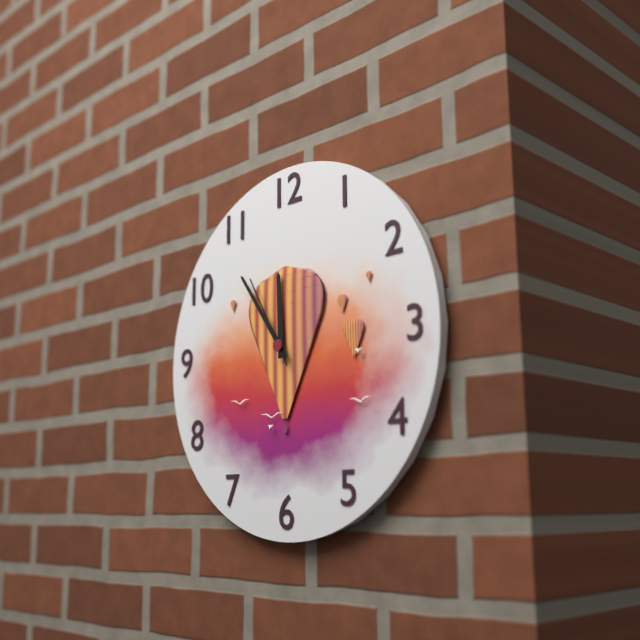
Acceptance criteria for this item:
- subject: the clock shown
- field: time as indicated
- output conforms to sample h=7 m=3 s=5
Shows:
h=11 m=54 s=55
